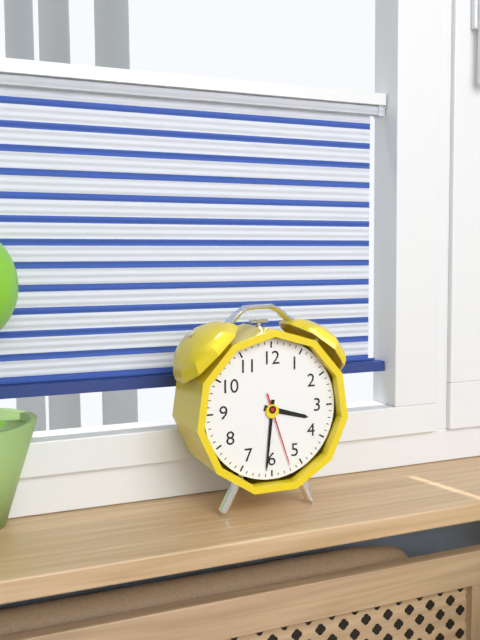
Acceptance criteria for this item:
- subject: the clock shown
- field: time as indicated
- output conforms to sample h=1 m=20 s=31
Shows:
h=3 m=31 s=27
